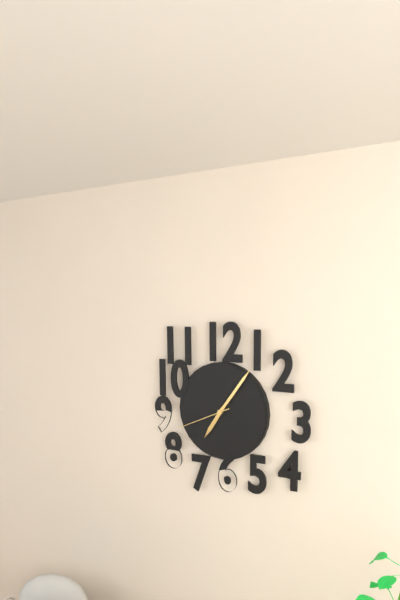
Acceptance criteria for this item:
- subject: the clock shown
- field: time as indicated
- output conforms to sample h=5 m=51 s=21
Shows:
h=7 m=6 s=41
